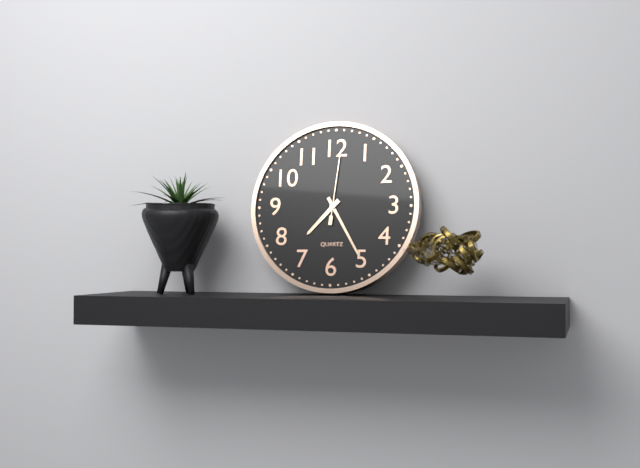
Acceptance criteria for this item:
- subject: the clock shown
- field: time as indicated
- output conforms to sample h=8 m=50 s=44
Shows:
h=7 m=25 s=1
